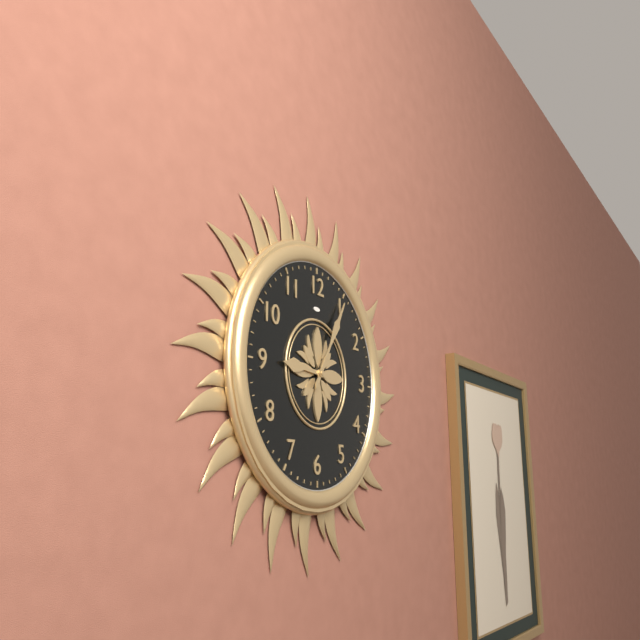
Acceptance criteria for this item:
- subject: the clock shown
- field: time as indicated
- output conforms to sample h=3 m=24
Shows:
h=9 m=5
